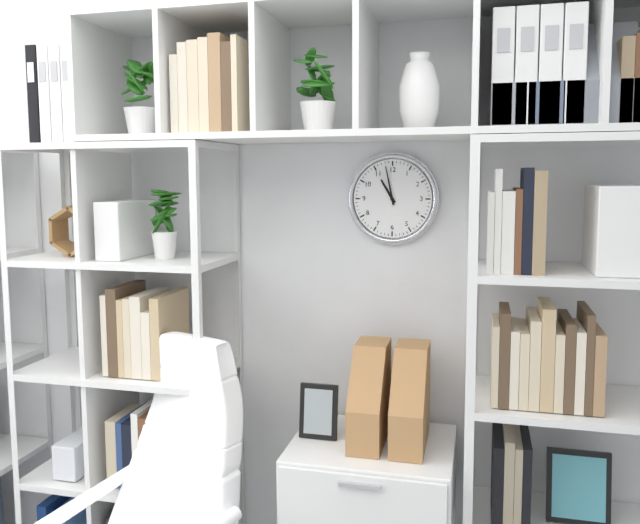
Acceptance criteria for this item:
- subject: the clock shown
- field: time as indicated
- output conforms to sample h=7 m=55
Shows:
h=10 m=58
